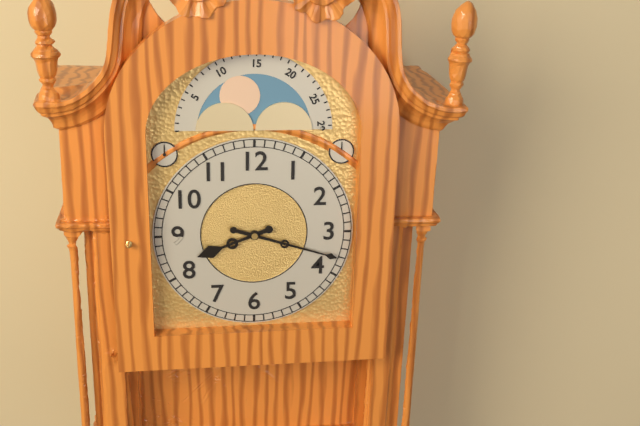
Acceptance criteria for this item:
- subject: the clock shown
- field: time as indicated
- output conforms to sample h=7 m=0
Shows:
h=8 m=18
